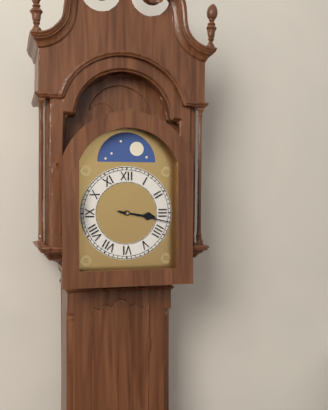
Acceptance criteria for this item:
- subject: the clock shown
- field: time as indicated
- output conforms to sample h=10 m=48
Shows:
h=3 m=17
